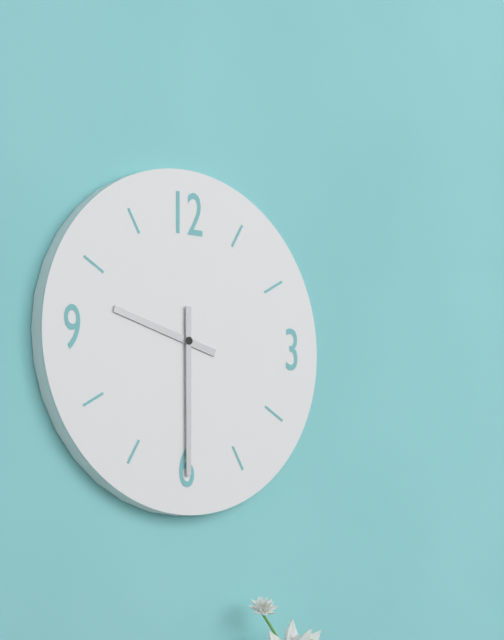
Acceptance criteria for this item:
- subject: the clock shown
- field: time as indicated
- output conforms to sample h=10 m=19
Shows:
h=9 m=30
